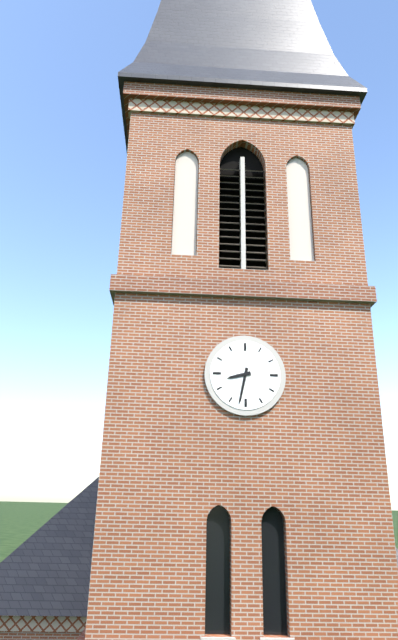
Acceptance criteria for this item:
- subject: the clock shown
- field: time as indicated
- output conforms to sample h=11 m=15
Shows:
h=8 m=32
